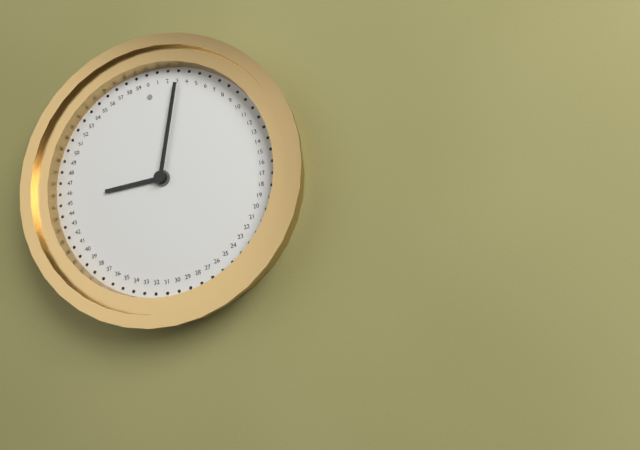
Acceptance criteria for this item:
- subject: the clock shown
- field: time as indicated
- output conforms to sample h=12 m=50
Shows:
h=9 m=3
